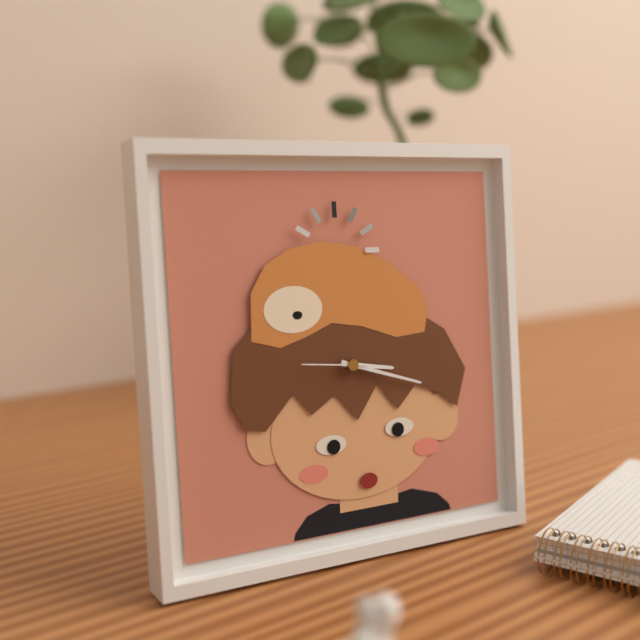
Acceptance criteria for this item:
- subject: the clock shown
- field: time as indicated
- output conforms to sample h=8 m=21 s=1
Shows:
h=3 m=18 s=46
